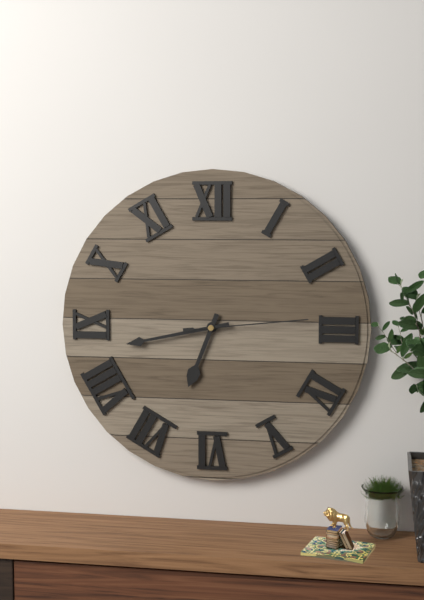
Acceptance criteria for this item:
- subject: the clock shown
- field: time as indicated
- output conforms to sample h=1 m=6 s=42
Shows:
h=6 m=43 s=14
